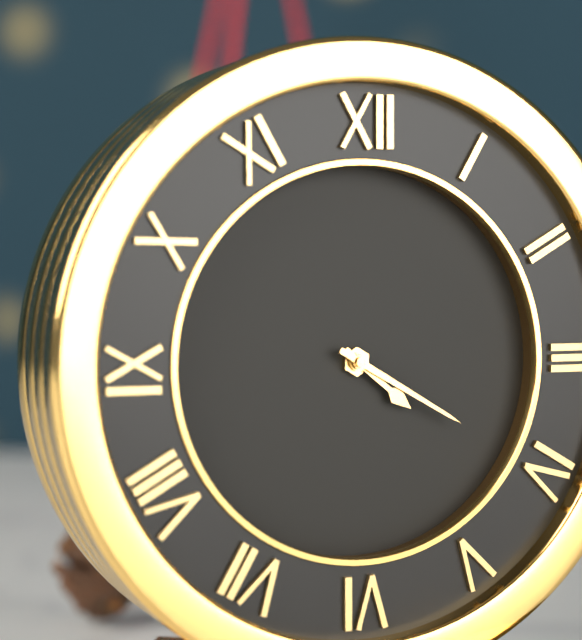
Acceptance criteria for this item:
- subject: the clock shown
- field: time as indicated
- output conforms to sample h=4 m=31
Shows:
h=4 m=20
